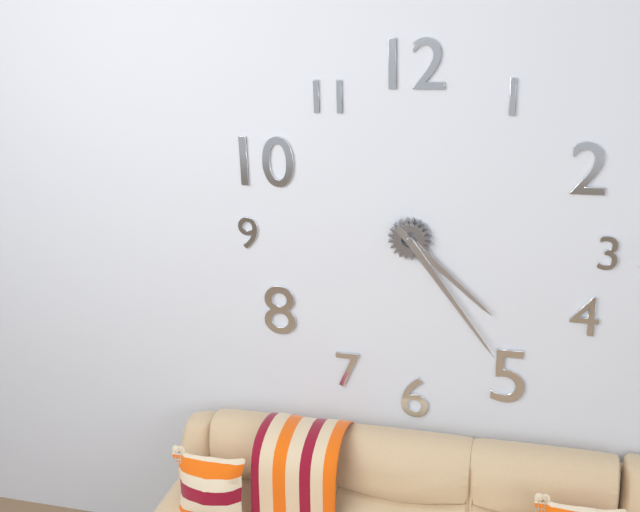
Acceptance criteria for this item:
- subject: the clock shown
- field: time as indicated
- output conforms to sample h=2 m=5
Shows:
h=4 m=24
